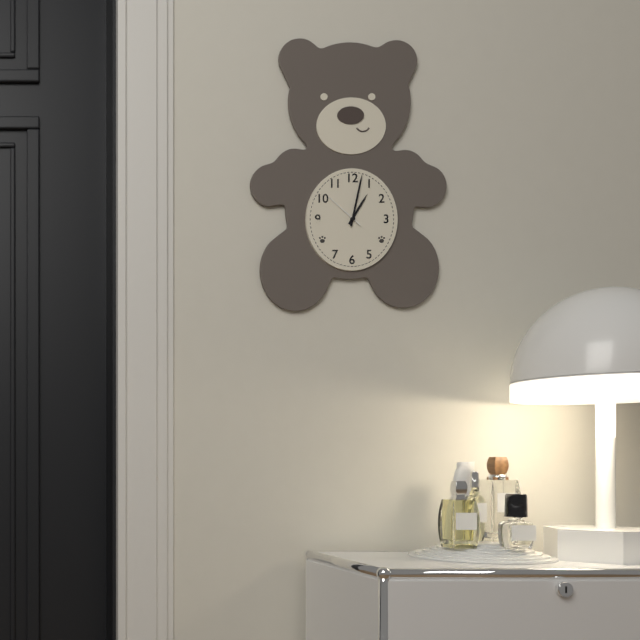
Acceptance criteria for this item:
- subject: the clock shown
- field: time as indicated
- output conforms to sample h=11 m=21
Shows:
h=1 m=2
